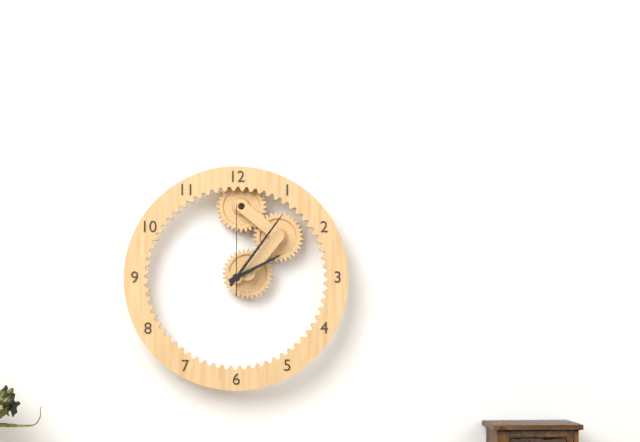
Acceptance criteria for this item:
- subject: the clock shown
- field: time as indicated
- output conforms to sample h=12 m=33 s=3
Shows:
h=2 m=6 s=0
